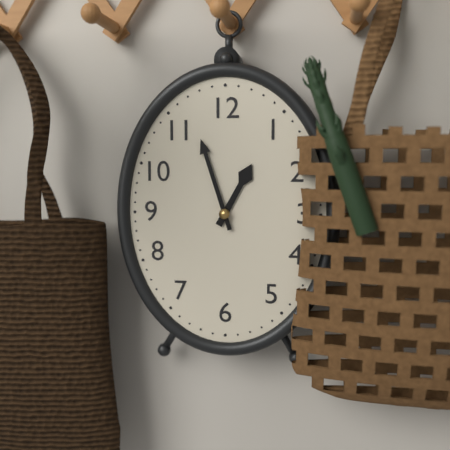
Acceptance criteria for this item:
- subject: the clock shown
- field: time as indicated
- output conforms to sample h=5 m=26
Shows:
h=12 m=57
